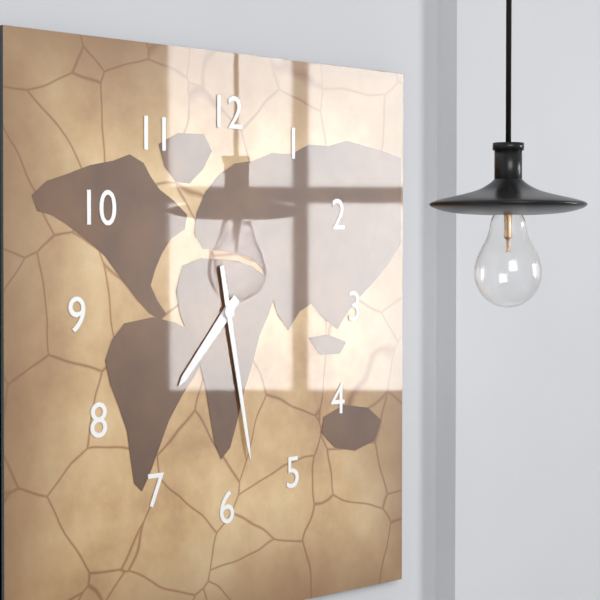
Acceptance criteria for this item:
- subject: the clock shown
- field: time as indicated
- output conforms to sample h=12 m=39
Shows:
h=7 m=28
